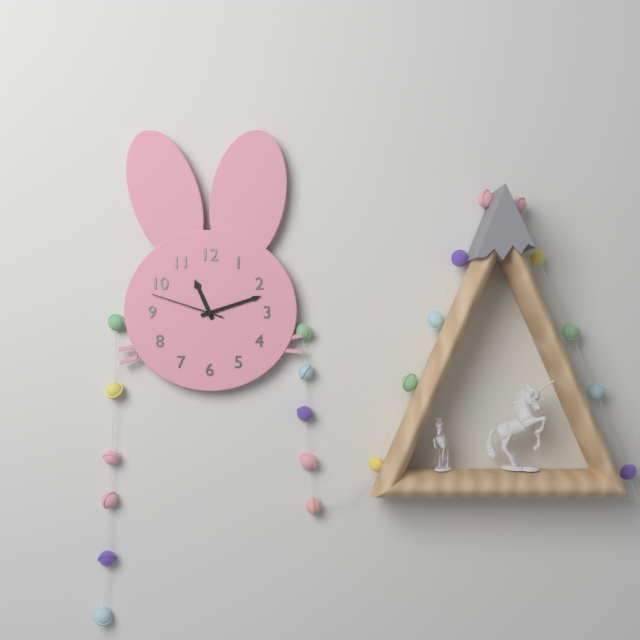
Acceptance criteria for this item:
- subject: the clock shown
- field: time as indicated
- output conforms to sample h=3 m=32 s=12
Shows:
h=11 m=12 s=48
